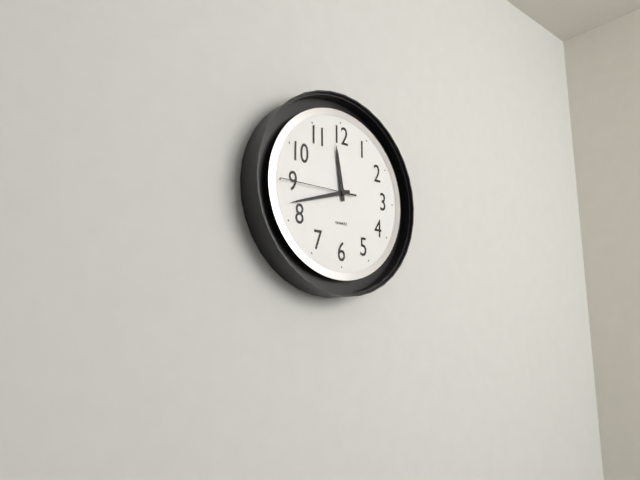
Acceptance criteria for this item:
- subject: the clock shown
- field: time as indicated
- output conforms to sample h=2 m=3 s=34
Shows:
h=11 m=42 s=45
